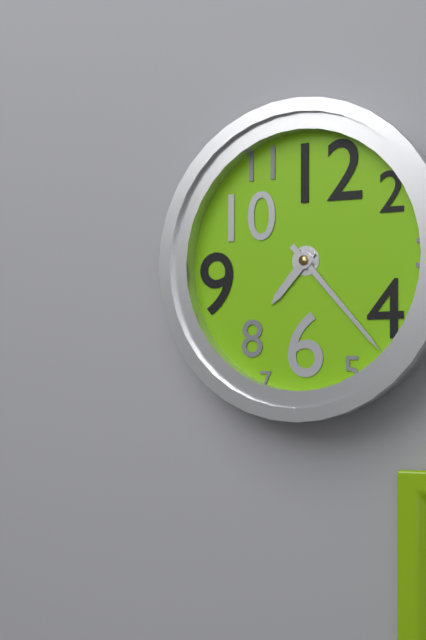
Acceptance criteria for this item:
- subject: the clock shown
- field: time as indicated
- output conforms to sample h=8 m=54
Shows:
h=7 m=23
